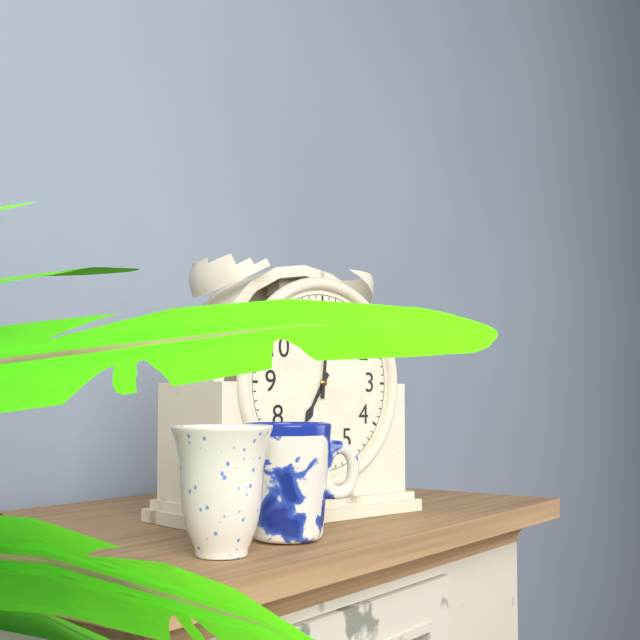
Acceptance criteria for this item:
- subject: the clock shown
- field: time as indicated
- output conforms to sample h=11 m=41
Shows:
h=7 m=1
